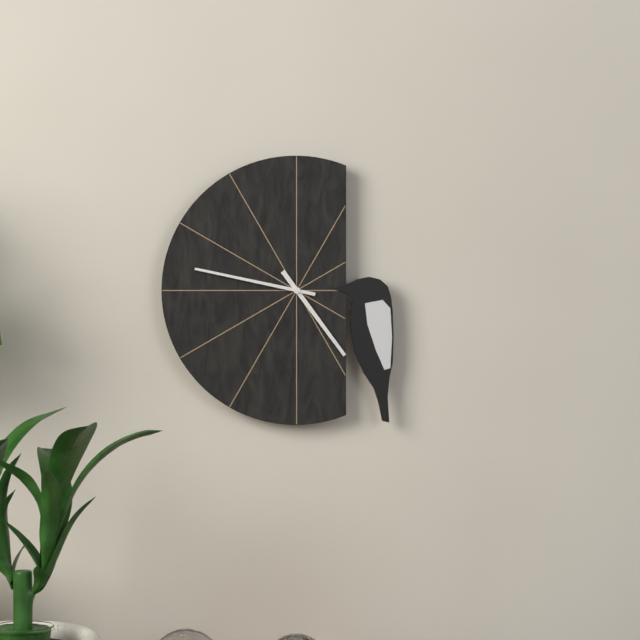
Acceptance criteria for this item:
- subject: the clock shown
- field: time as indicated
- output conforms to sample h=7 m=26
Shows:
h=4 m=47
